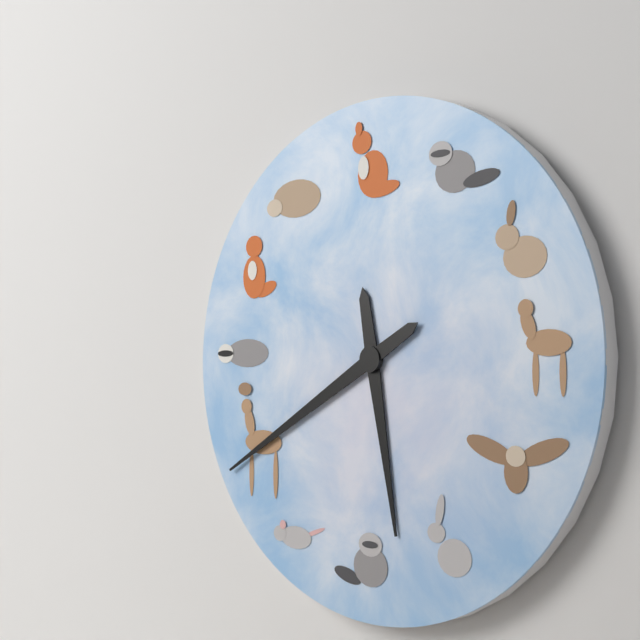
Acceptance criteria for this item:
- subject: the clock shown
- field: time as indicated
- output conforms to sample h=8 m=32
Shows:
h=5 m=40
